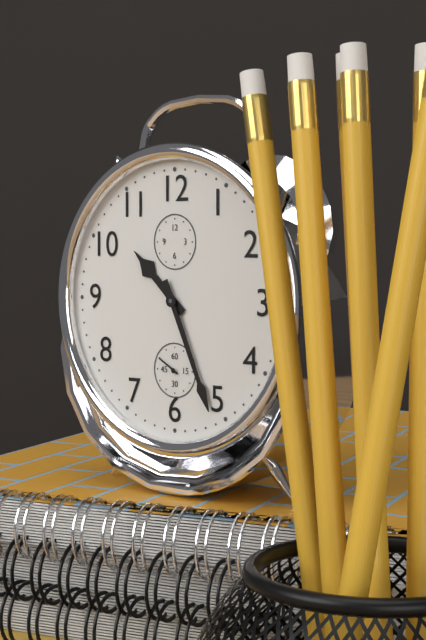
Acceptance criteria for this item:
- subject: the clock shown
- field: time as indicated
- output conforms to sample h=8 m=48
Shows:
h=10 m=26
